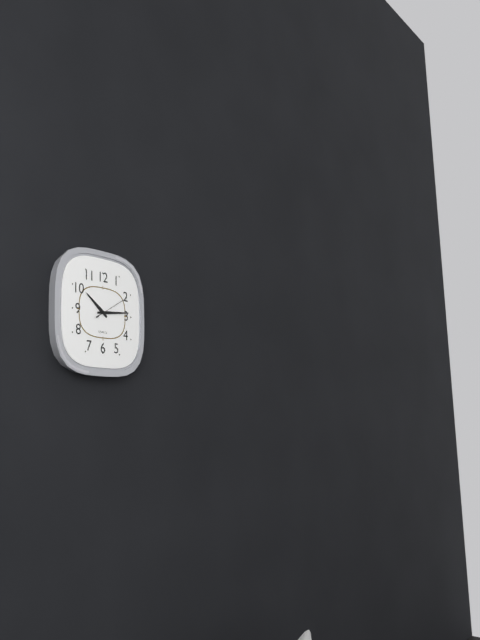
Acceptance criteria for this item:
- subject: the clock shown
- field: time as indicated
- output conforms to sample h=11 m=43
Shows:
h=10 m=14
